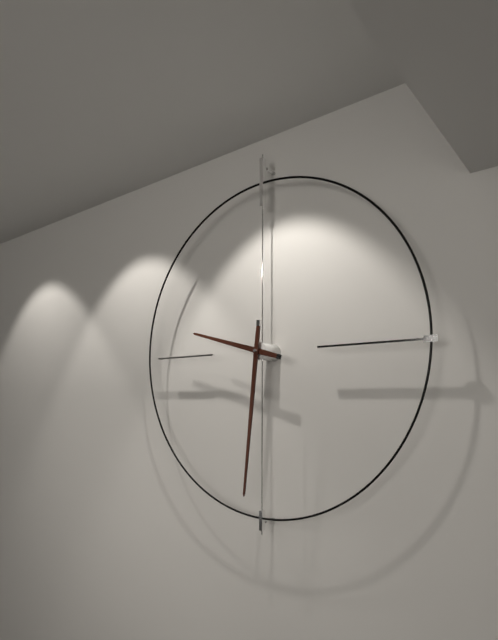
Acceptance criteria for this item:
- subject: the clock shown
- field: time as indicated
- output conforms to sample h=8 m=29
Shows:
h=9 m=31
